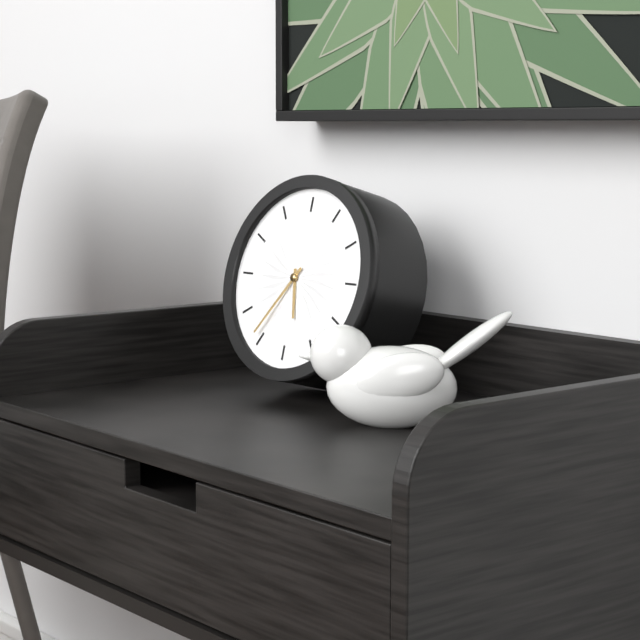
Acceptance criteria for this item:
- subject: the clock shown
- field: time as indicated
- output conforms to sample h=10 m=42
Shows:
h=5 m=36
